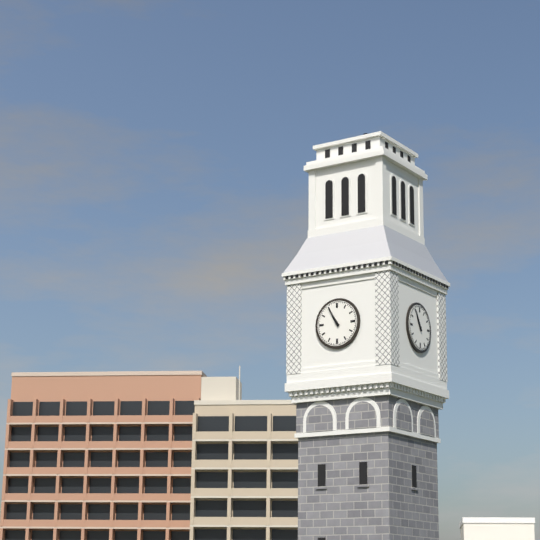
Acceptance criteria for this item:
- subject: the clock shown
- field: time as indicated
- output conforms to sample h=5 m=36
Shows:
h=10 m=55
